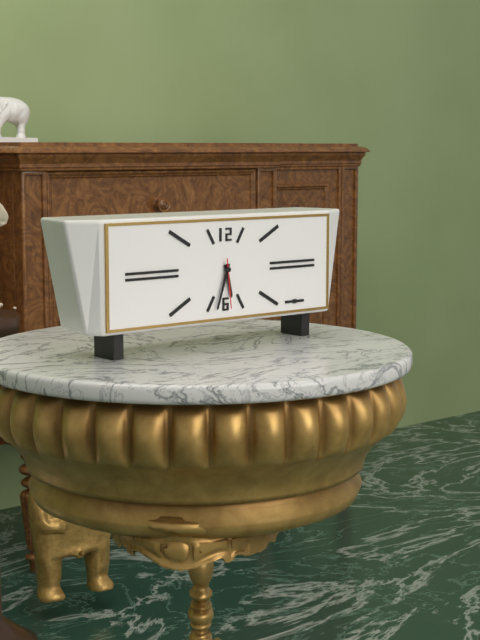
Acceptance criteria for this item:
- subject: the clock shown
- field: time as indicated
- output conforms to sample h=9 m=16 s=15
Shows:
h=5 m=33 s=29
